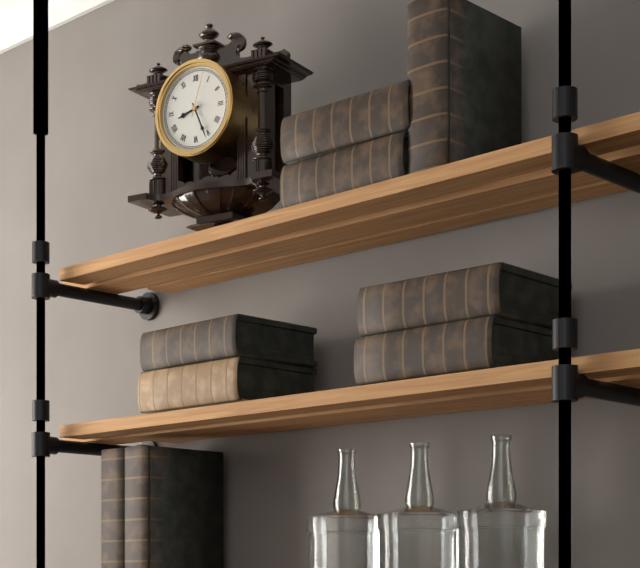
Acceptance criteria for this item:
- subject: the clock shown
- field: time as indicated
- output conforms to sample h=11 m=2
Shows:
h=8 m=26
